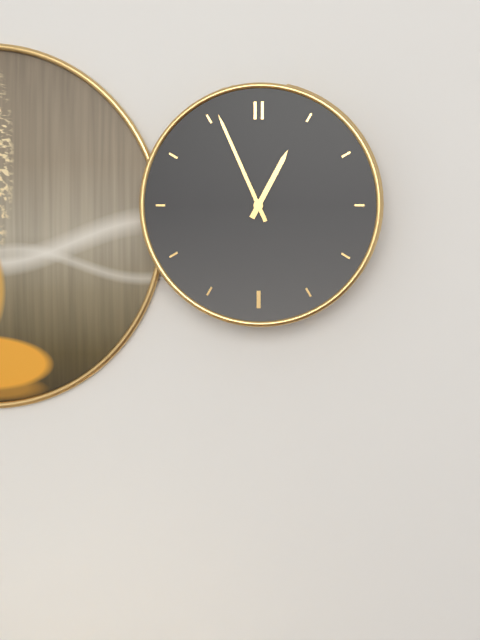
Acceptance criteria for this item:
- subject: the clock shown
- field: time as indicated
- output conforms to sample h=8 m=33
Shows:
h=12 m=56
